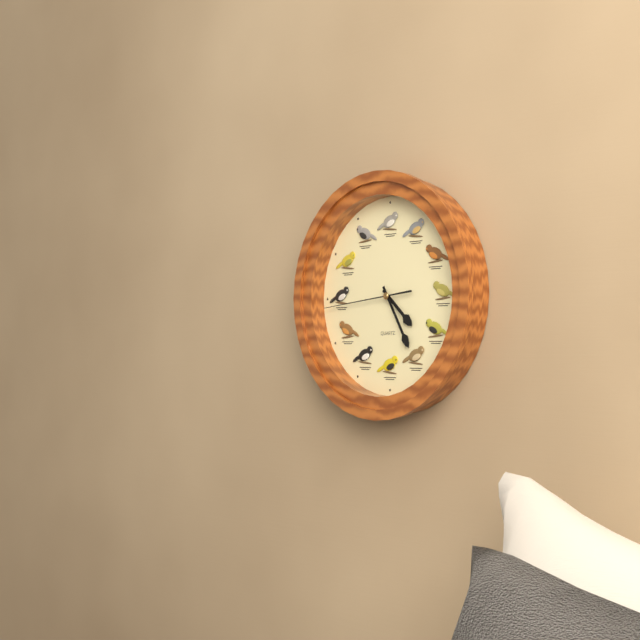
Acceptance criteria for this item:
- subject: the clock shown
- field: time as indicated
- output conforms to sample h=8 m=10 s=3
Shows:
h=4 m=25 s=44
